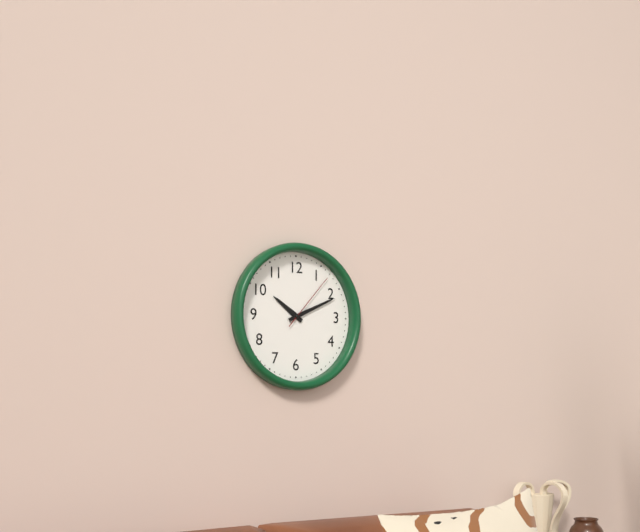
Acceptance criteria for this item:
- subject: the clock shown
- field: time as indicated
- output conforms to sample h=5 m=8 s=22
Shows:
h=10 m=11 s=7
